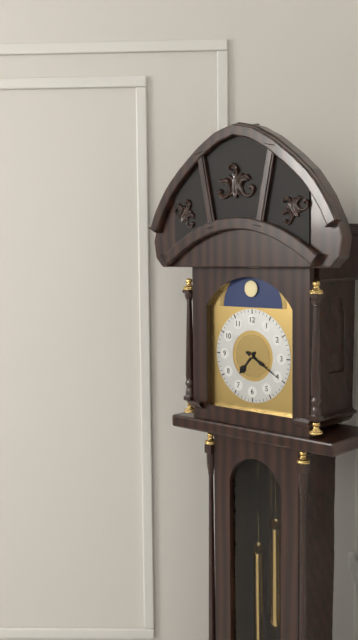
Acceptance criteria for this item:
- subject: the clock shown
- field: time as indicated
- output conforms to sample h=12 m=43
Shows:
h=7 m=20
